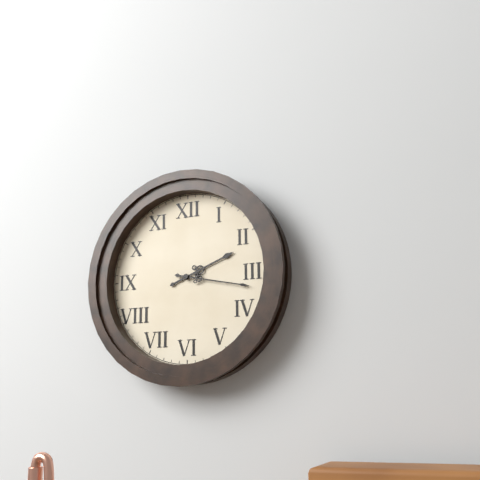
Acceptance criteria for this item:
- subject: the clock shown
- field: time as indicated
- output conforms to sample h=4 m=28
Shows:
h=2 m=17
